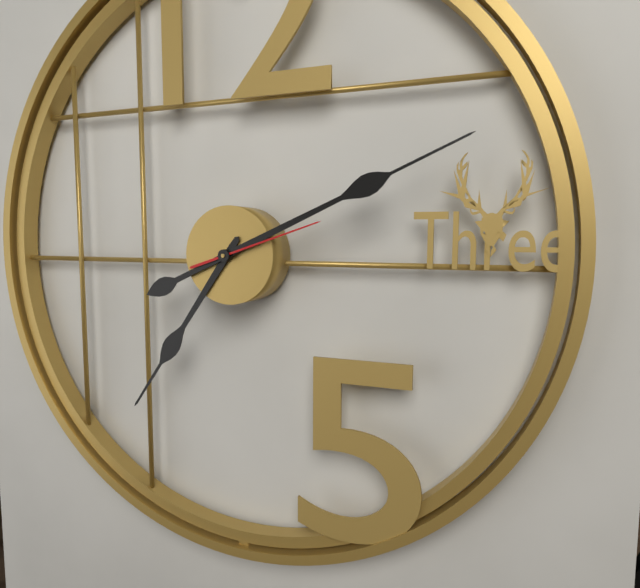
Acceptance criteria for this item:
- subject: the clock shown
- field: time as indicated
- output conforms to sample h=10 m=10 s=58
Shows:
h=7 m=11 s=12
